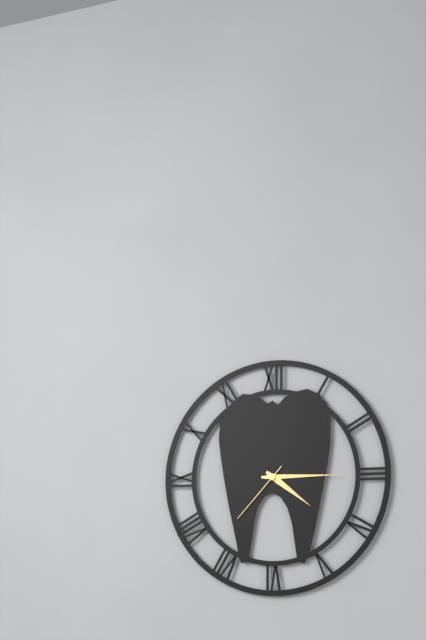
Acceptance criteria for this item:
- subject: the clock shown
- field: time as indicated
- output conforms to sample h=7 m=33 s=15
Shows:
h=4 m=15 s=37
